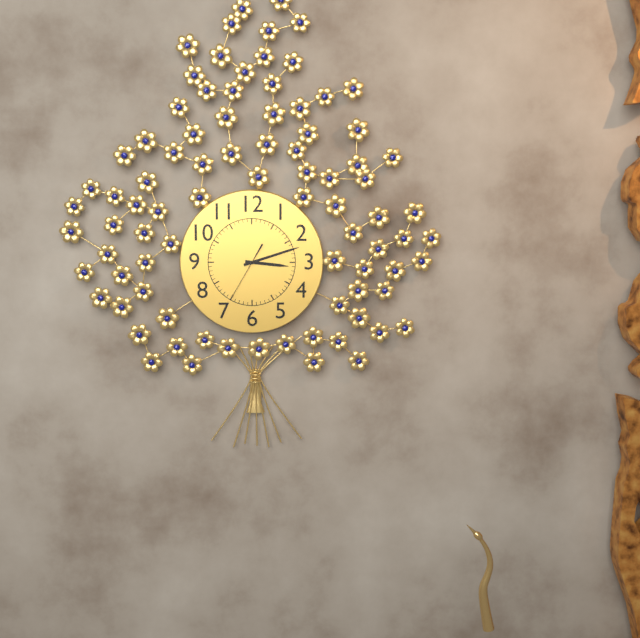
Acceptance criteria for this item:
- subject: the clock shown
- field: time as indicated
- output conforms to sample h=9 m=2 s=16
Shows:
h=3 m=12 s=35
